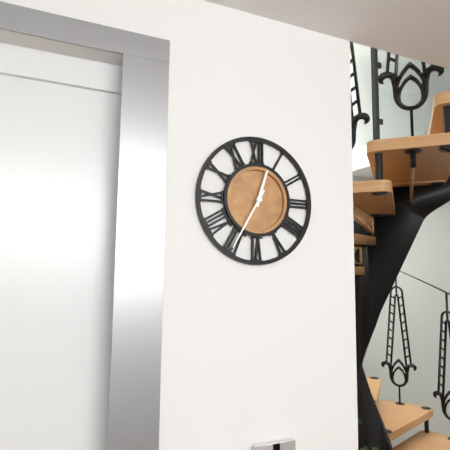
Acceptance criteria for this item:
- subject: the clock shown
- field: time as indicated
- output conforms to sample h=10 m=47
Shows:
h=12 m=35
